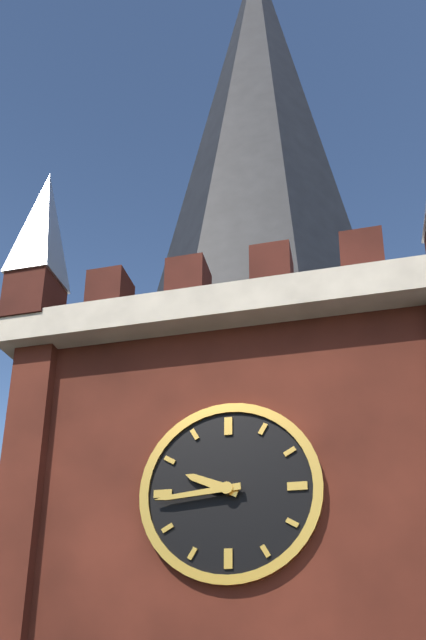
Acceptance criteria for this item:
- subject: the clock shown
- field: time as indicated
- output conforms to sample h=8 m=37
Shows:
h=9 m=44
